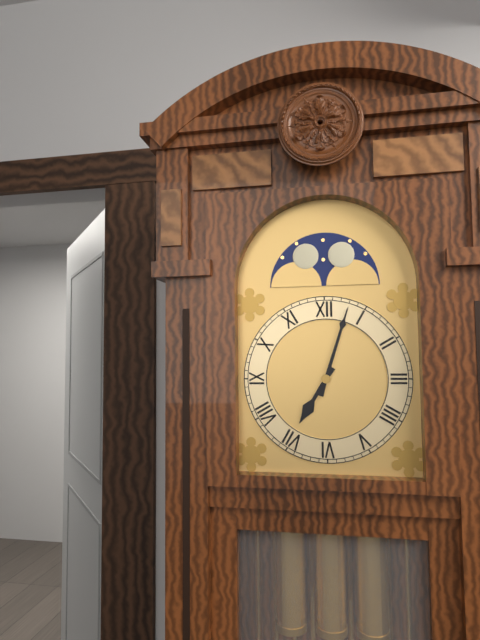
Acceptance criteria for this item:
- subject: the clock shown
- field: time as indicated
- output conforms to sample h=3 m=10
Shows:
h=7 m=3
